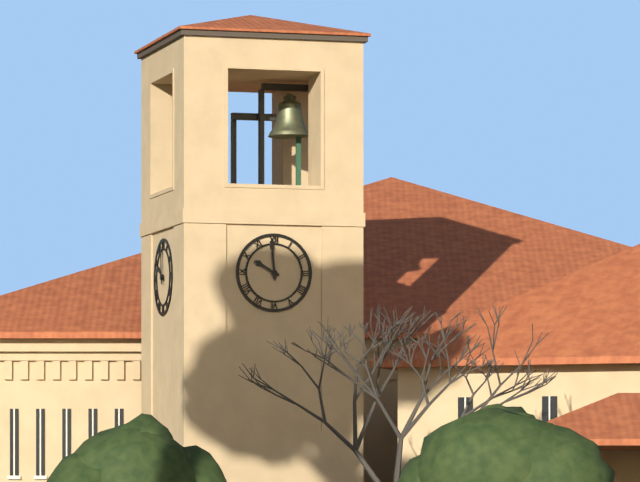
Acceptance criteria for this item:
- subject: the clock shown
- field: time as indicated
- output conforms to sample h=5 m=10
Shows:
h=9 m=59
